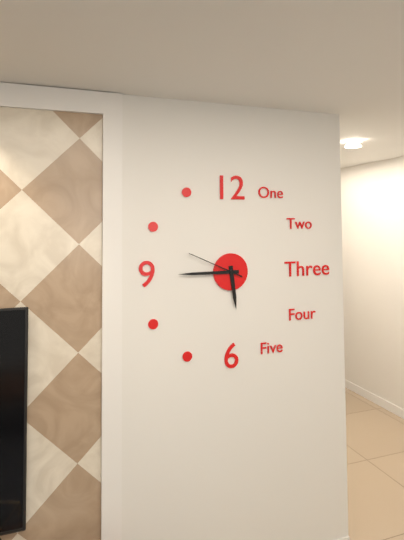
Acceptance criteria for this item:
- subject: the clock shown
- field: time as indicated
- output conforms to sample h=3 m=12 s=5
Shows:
h=5 m=45 s=49
